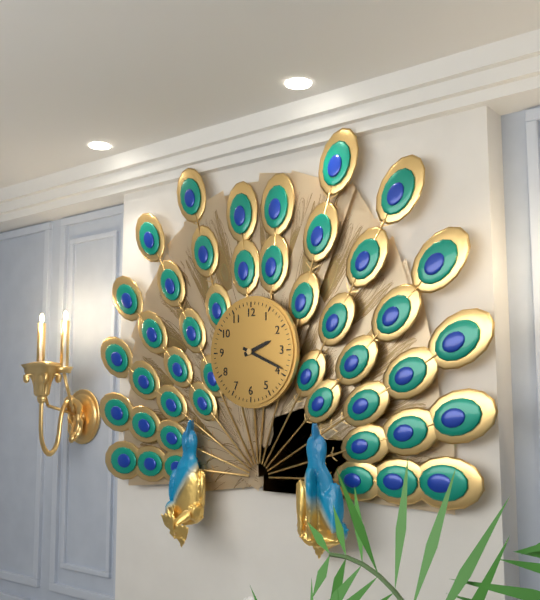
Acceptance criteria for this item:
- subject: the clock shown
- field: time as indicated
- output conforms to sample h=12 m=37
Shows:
h=2 m=19
